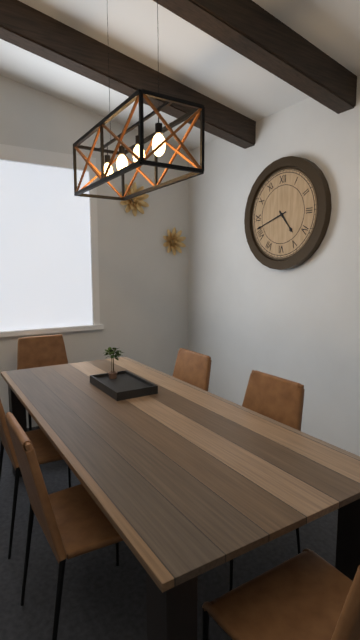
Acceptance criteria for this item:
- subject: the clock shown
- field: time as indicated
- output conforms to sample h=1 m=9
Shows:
h=4 m=42
